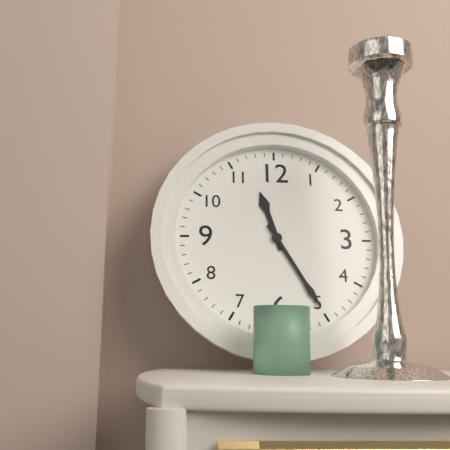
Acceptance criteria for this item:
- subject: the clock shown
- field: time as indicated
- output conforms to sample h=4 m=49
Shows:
h=11 m=25
